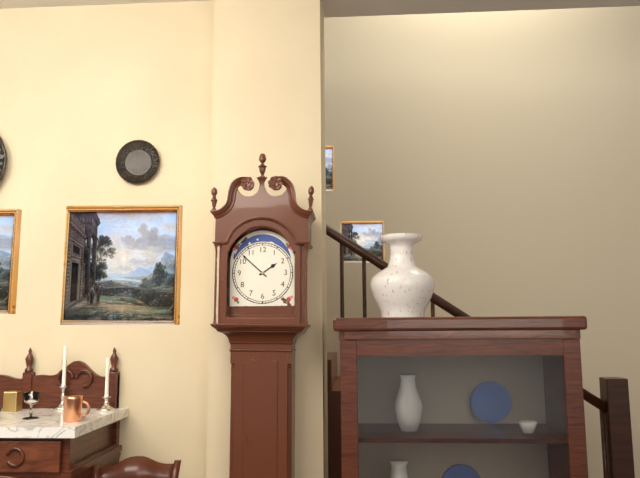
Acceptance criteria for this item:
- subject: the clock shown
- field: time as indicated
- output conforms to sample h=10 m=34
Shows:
h=1 m=52
